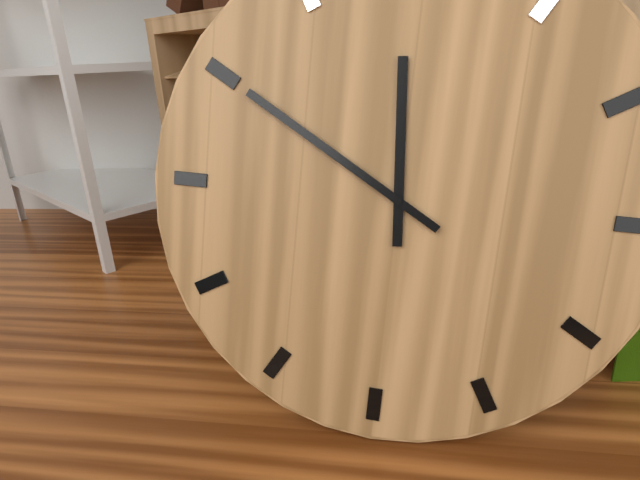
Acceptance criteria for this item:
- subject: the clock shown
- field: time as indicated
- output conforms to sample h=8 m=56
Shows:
h=11 m=50
